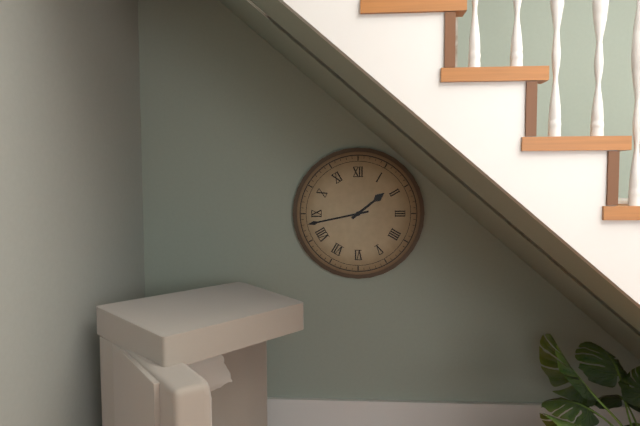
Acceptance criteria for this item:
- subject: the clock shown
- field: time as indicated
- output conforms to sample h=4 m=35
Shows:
h=1 m=43
